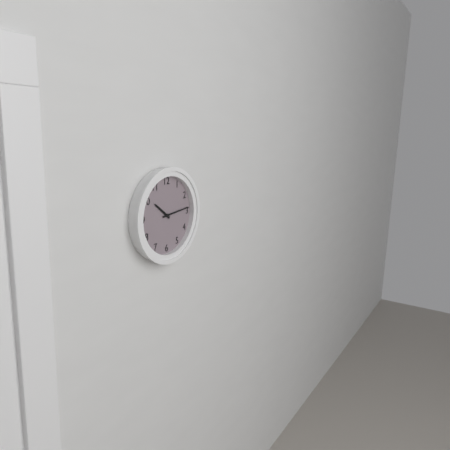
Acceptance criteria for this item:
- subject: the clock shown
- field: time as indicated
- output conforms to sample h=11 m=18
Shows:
h=10 m=14
